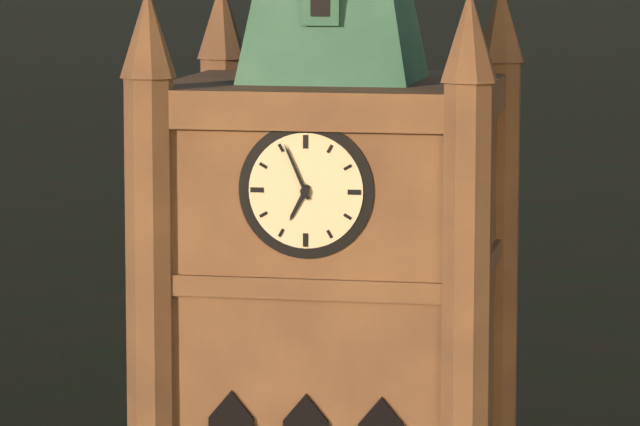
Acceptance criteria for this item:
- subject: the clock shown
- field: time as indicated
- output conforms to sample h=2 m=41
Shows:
h=6 m=56
